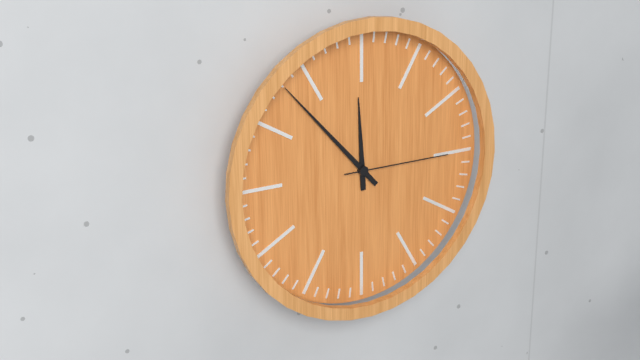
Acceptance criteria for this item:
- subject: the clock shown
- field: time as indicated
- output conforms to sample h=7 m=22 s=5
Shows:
h=11 m=53 s=15
